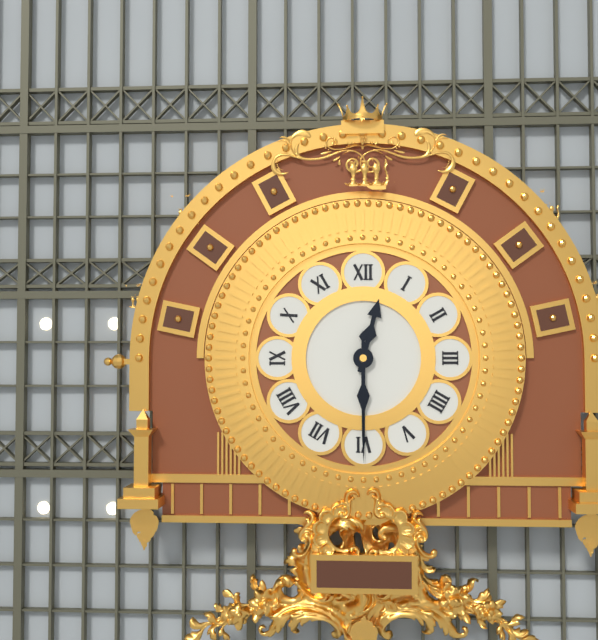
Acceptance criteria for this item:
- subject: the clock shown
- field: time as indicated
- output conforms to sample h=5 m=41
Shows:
h=12 m=30
